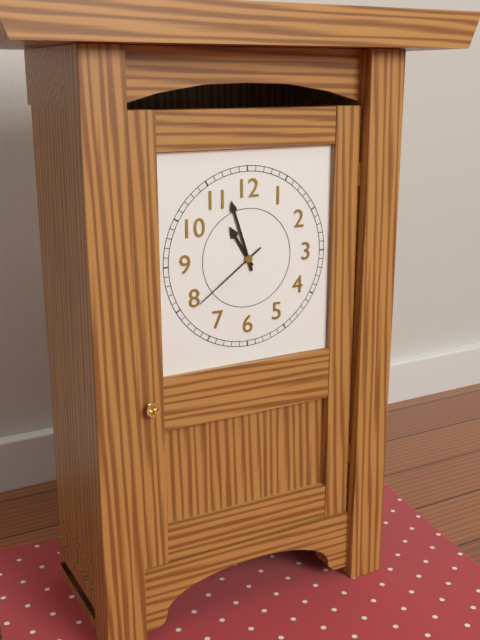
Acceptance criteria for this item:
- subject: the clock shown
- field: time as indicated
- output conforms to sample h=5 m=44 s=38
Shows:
h=10 m=57 s=39
